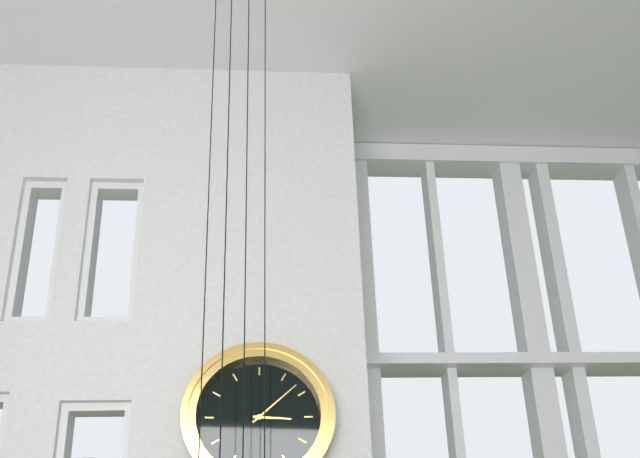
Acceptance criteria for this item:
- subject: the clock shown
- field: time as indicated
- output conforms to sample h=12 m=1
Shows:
h=3 m=8
